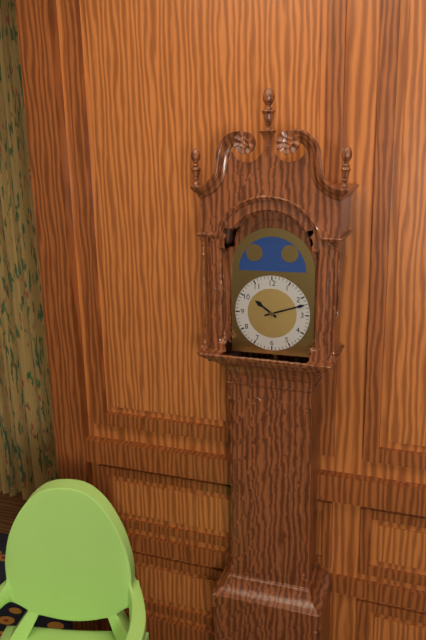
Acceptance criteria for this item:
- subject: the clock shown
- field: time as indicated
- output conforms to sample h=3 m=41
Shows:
h=10 m=12
